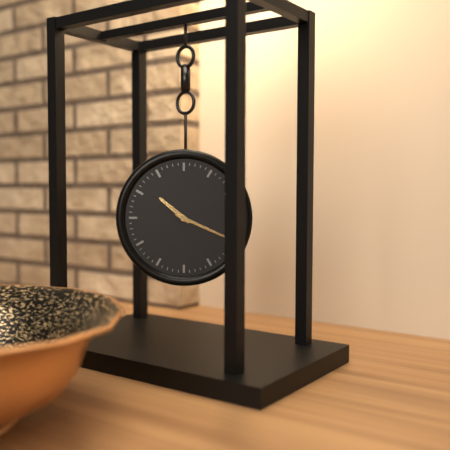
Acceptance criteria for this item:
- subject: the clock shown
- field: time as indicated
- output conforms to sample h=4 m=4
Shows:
h=10 m=19
